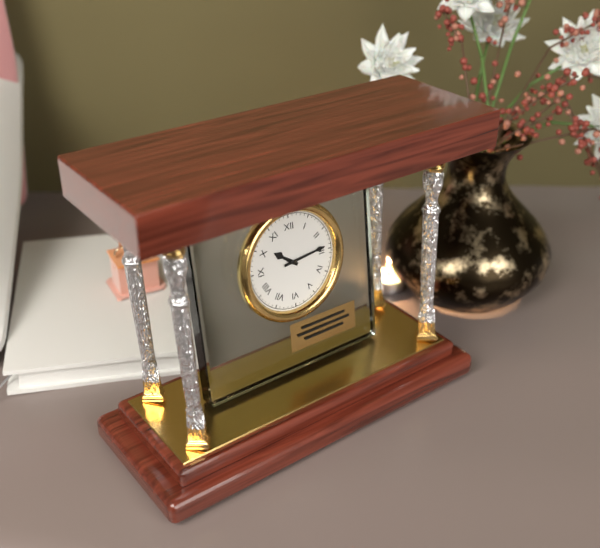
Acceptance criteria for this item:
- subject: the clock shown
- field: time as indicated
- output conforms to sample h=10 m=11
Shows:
h=10 m=14
